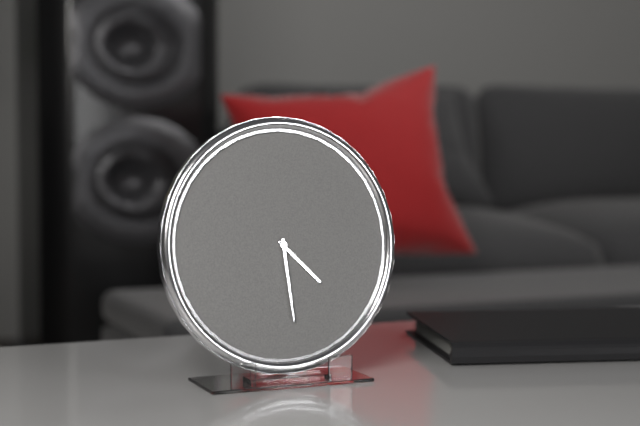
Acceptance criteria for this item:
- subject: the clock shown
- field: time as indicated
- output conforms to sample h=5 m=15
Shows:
h=4 m=29
